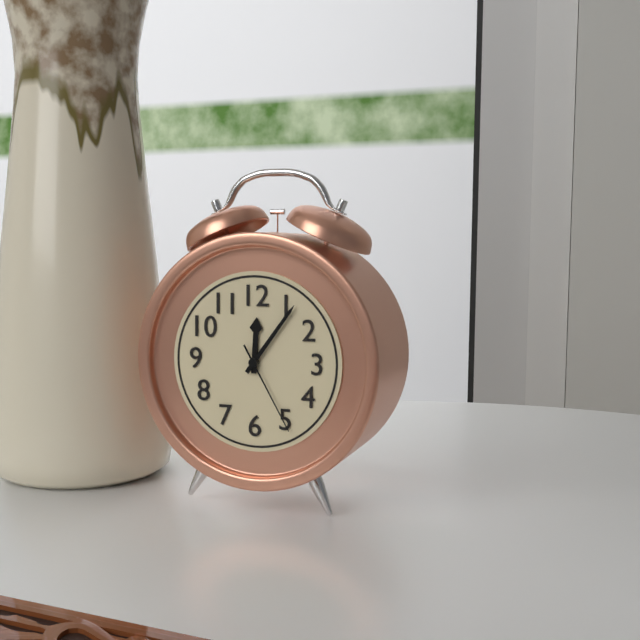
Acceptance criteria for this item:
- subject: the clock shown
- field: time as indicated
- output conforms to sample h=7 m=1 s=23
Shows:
h=12 m=6 s=25
